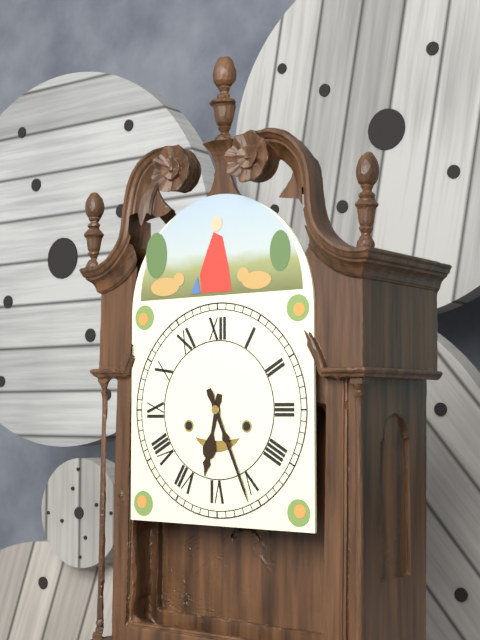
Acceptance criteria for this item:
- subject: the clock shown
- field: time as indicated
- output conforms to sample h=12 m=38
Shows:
h=6 m=26
